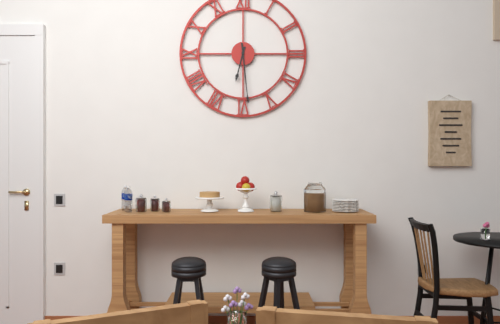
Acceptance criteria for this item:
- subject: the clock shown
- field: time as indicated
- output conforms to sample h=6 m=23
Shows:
h=6 m=29
